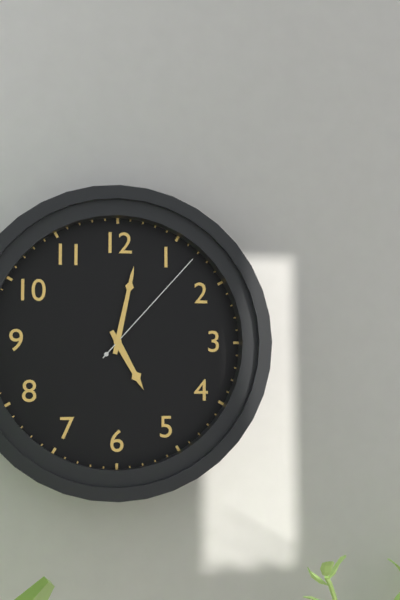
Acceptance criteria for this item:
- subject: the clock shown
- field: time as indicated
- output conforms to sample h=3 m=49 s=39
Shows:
h=5 m=2 s=7
